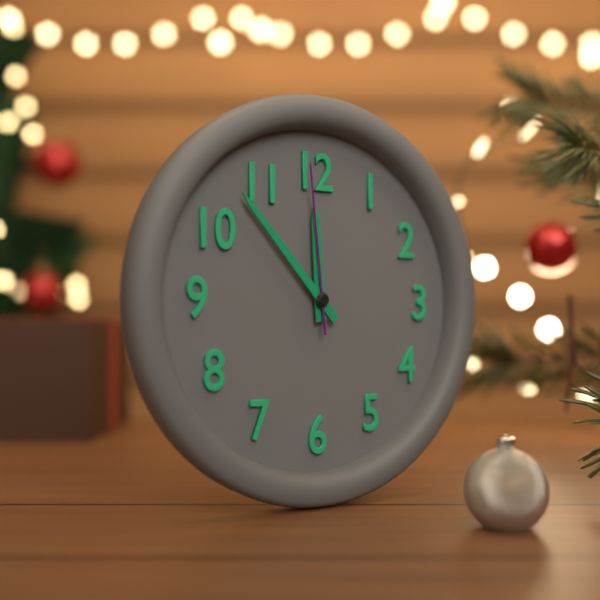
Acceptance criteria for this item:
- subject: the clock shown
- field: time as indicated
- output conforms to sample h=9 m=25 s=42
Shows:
h=11 m=53 s=59
